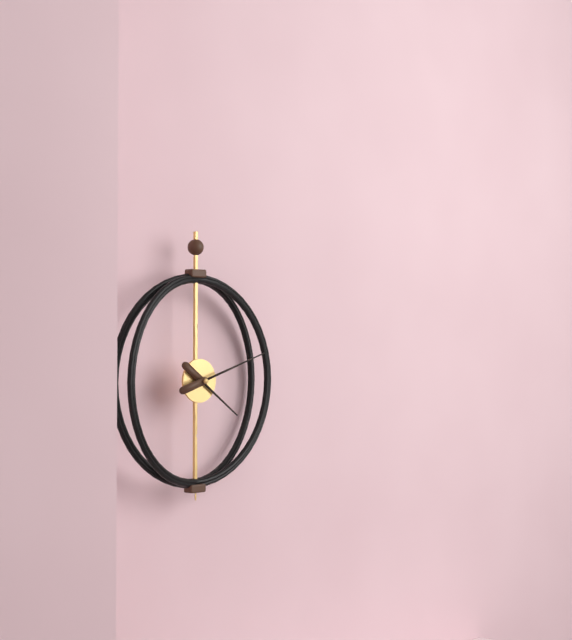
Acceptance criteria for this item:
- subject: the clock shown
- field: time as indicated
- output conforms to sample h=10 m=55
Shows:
h=4 m=12
